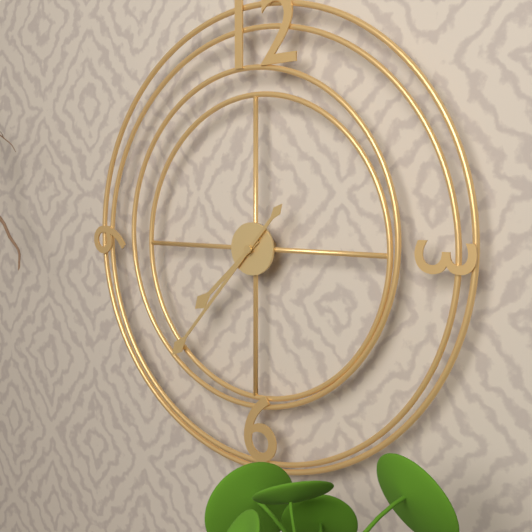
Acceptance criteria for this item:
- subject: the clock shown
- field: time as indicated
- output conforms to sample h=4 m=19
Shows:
h=7 m=37
